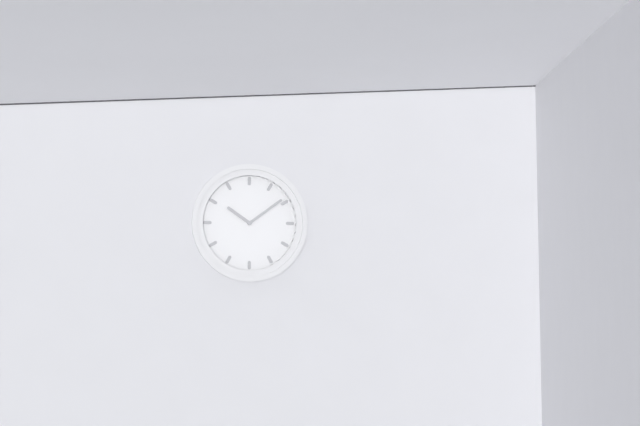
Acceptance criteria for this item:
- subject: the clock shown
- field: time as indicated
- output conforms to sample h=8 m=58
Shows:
h=10 m=9
